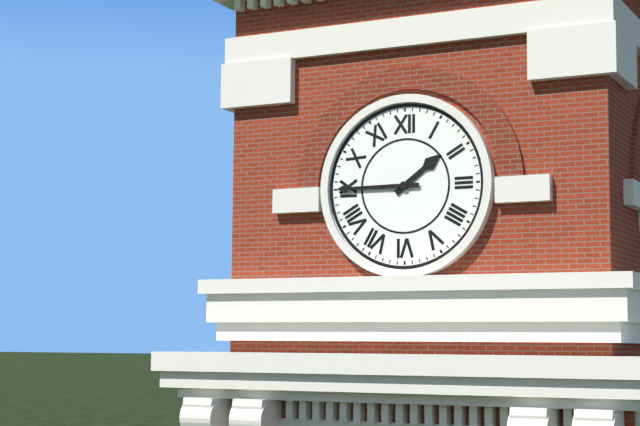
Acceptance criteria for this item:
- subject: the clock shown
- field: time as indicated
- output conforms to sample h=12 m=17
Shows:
h=1 m=45
